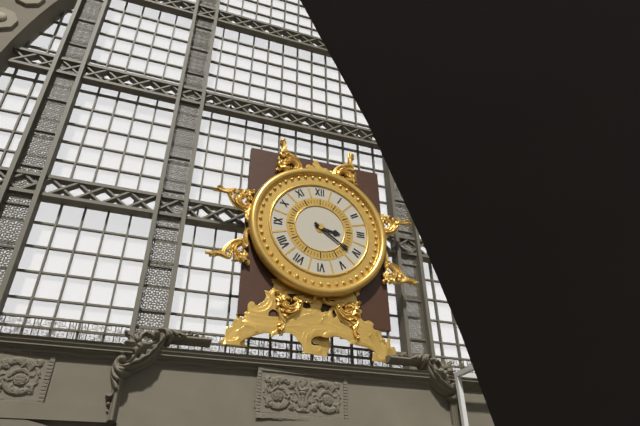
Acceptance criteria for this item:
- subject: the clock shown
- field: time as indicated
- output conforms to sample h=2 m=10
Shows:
h=3 m=21
